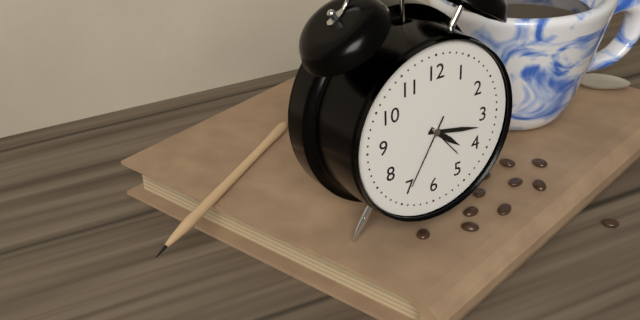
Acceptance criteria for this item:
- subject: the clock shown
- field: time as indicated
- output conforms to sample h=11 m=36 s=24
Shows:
h=4 m=17 s=35
